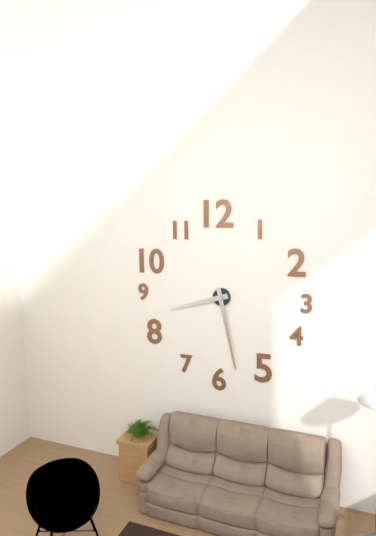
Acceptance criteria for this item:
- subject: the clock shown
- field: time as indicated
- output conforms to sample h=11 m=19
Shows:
h=8 m=28
